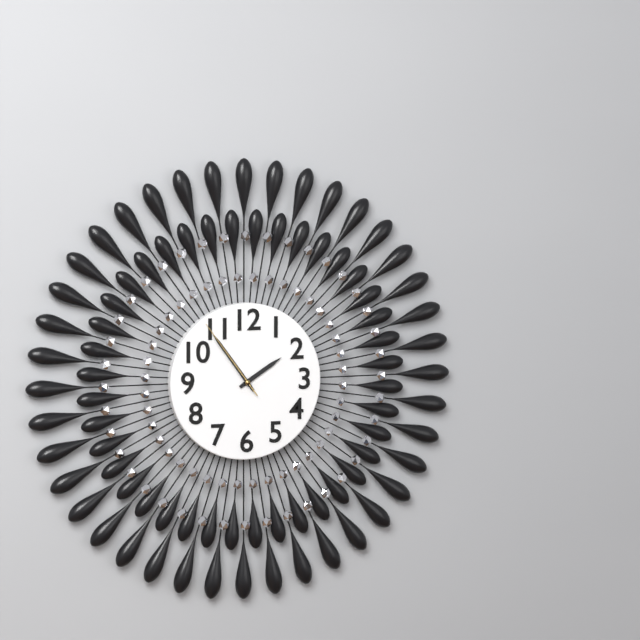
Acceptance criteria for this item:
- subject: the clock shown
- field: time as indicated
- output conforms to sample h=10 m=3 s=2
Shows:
h=1 m=54 s=54
